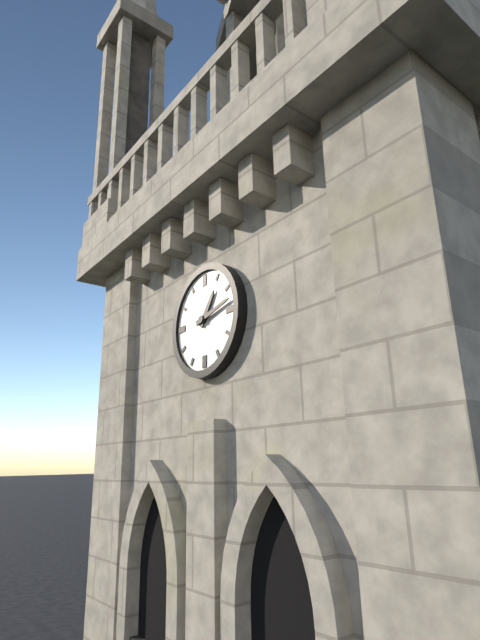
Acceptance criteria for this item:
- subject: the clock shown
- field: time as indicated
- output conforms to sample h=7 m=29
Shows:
h=1 m=13
